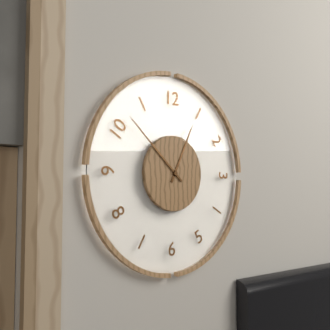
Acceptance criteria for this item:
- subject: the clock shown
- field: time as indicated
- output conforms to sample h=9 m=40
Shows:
h=12 m=52
